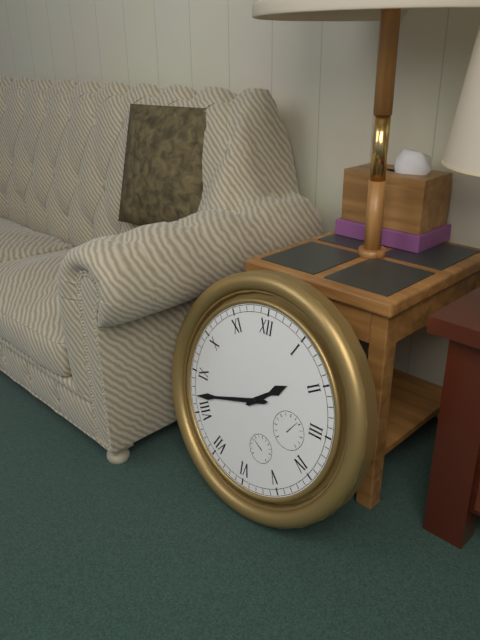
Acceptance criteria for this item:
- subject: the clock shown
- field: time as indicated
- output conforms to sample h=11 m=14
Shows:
h=1 m=42
